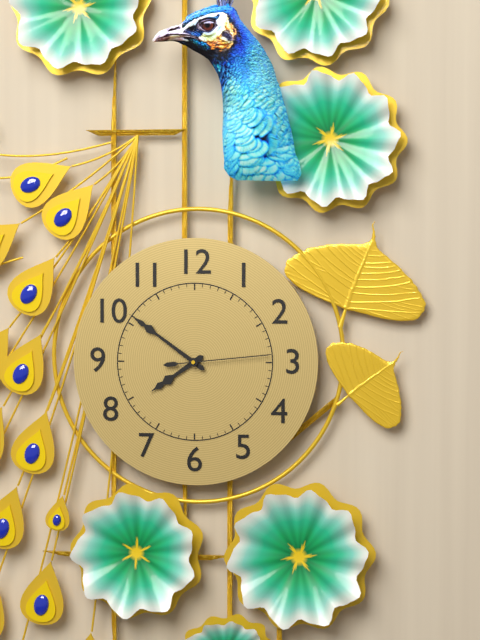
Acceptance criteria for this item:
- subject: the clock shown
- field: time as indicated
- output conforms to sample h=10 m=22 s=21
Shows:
h=7 m=51 s=14
